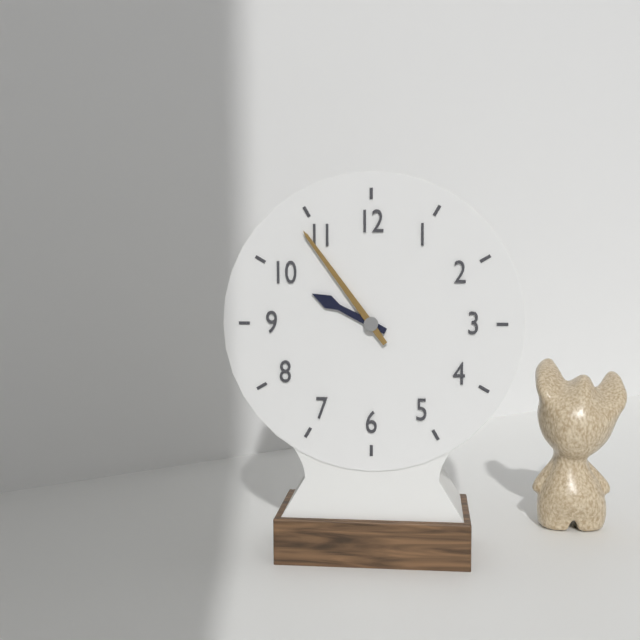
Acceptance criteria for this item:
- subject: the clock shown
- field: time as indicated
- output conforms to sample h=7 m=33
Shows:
h=9 m=54
